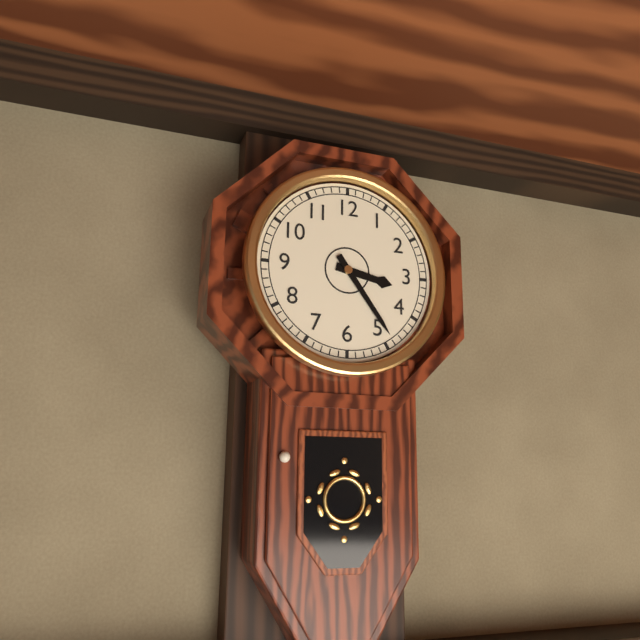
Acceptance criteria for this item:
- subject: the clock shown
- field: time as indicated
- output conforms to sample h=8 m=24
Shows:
h=3 m=24
